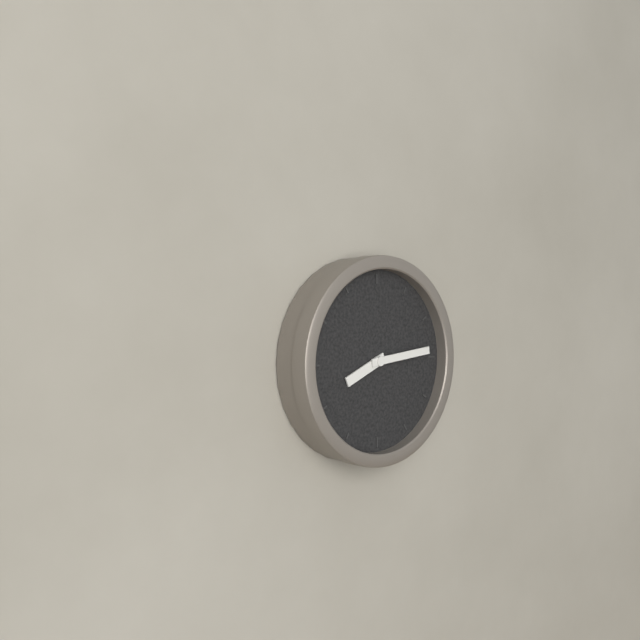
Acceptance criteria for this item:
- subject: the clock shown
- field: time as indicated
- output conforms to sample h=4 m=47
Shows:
h=8 m=14
